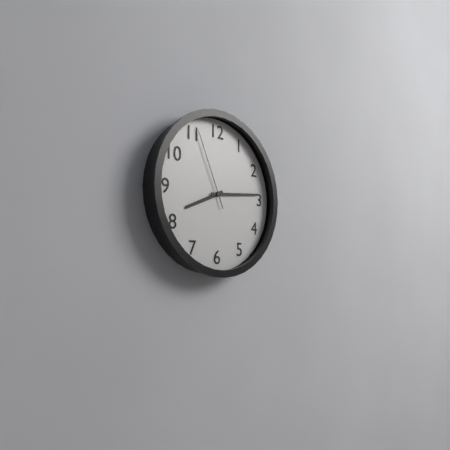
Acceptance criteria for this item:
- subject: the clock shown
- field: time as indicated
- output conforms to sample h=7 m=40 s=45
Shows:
h=8 m=14 s=56
